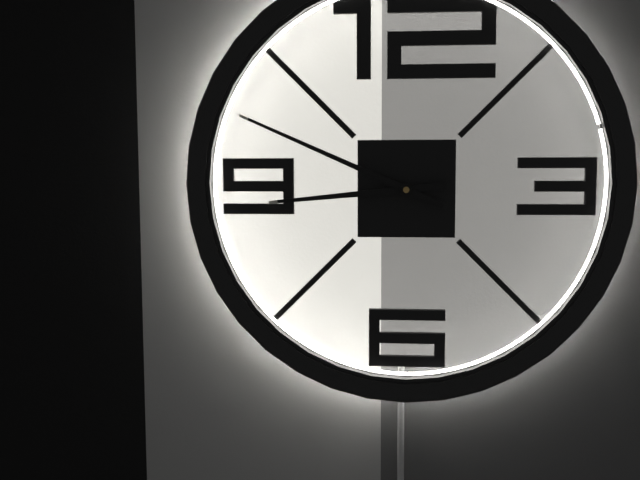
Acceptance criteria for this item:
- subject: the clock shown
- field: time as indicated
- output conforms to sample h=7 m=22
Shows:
h=8 m=49
